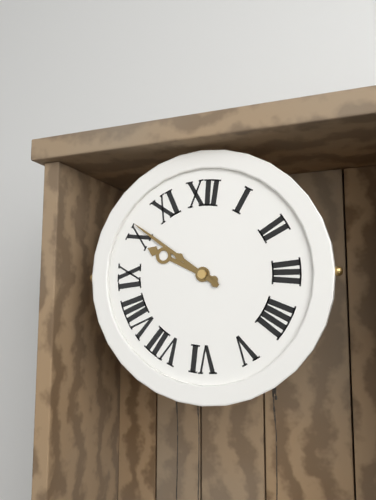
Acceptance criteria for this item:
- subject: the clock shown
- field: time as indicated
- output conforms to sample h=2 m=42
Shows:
h=9 m=51
